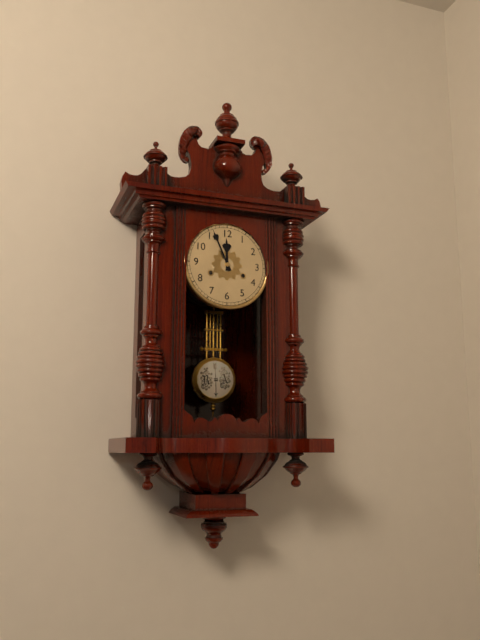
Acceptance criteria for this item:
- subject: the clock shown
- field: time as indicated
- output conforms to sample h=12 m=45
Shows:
h=11 m=56
